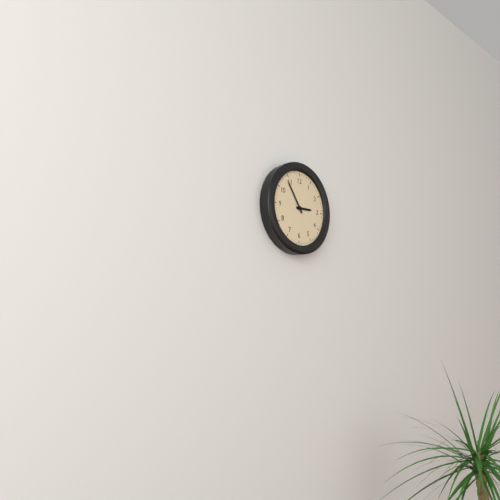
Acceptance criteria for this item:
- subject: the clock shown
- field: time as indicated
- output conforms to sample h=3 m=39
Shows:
h=2 m=54
